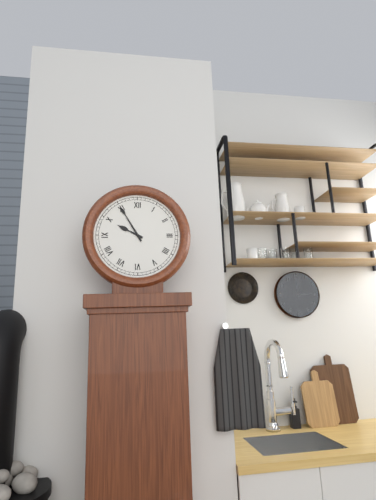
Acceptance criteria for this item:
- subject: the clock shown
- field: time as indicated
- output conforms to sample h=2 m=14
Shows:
h=9 m=55
